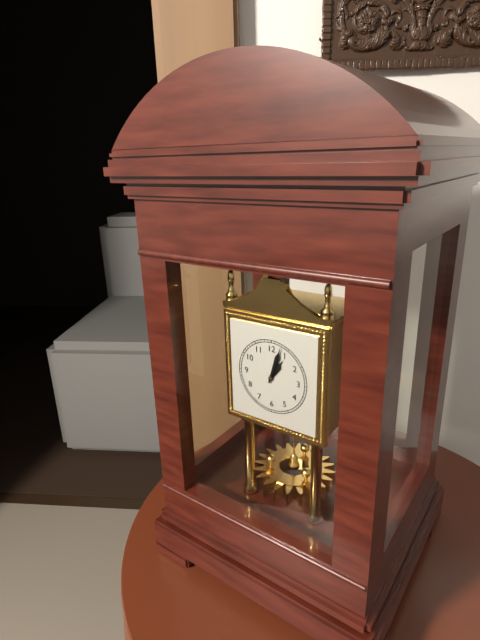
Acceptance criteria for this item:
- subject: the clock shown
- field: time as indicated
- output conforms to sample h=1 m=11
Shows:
h=1 m=3
